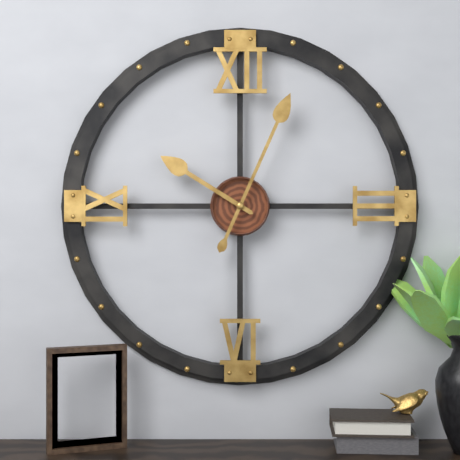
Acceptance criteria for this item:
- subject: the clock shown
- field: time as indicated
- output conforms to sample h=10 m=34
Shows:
h=10 m=4
